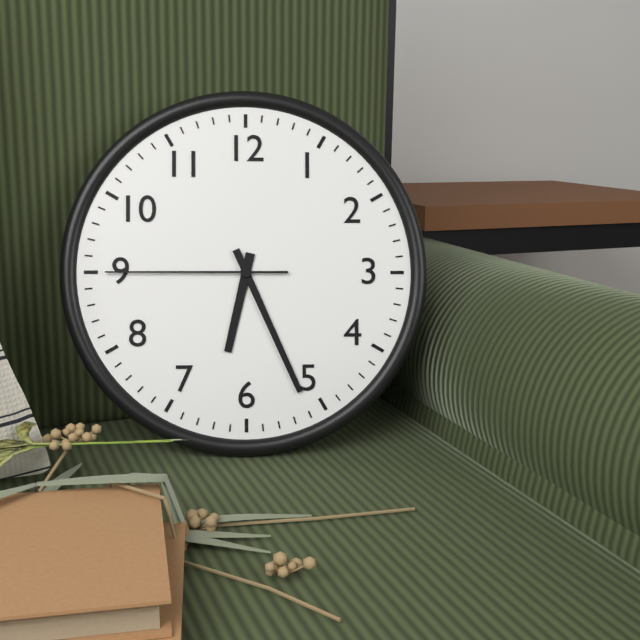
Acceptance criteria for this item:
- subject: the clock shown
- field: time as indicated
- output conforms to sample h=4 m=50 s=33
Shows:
h=6 m=26 s=45
